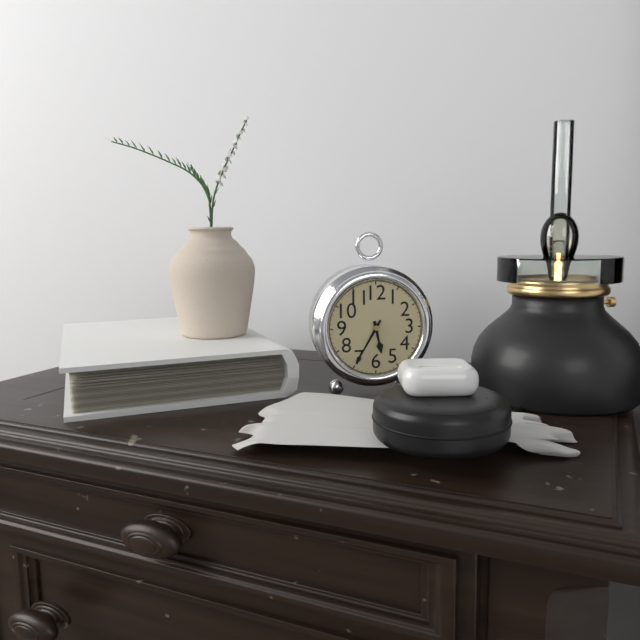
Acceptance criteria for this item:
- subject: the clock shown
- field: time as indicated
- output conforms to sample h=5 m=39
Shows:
h=5 m=35
